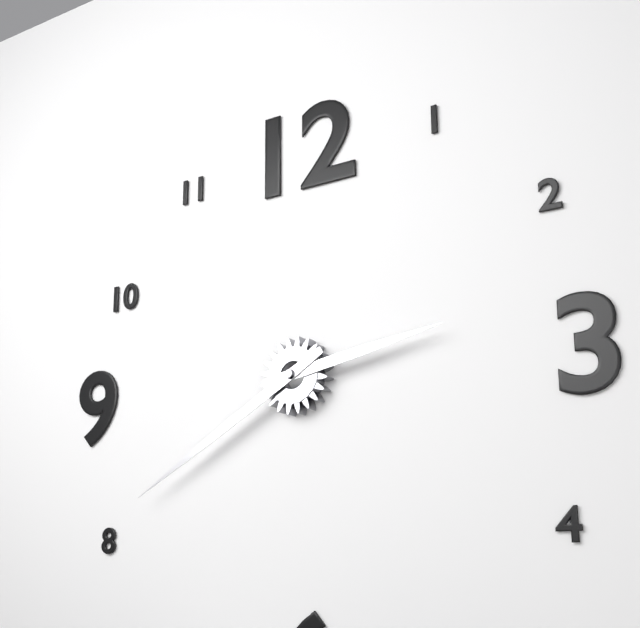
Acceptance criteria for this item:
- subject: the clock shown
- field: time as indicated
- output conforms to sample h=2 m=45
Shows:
h=2 m=40
